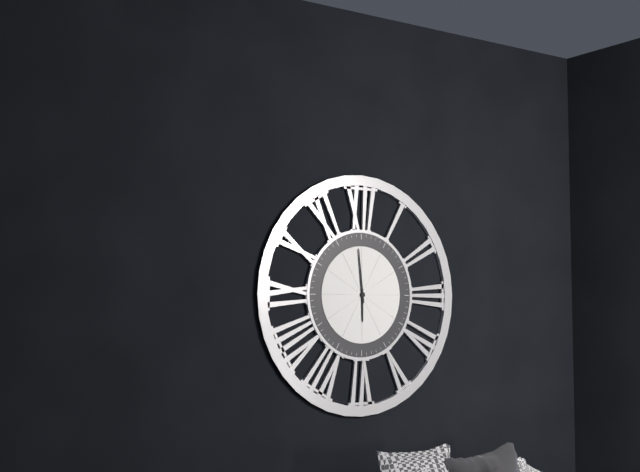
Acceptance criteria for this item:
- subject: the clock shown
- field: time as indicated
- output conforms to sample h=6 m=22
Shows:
h=5 m=59
